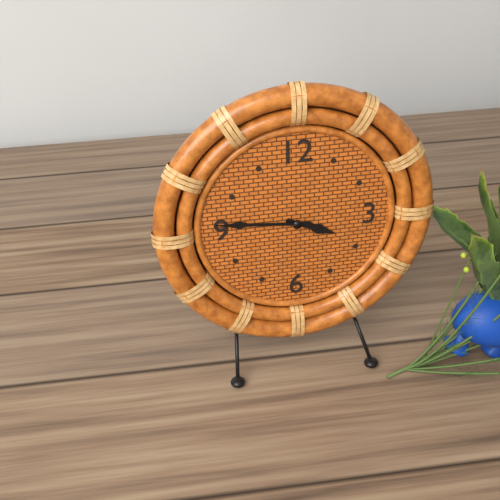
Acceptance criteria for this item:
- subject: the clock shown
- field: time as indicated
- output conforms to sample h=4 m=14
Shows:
h=3 m=46
